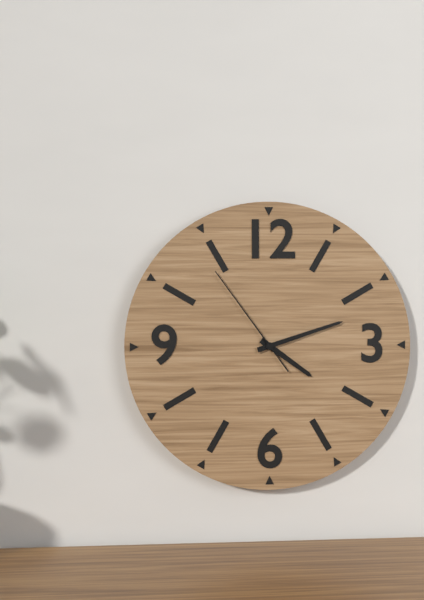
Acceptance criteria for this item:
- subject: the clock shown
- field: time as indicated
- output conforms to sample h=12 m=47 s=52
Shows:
h=4 m=12 s=54
